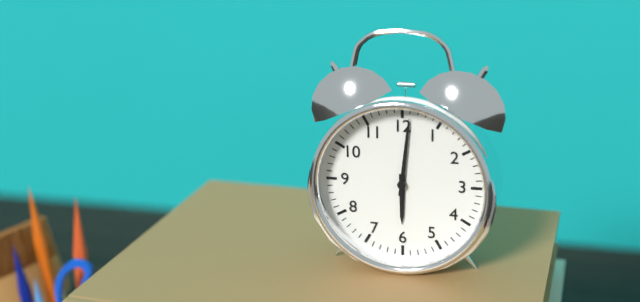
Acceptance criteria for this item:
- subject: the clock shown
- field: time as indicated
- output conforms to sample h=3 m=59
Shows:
h=6 m=1
